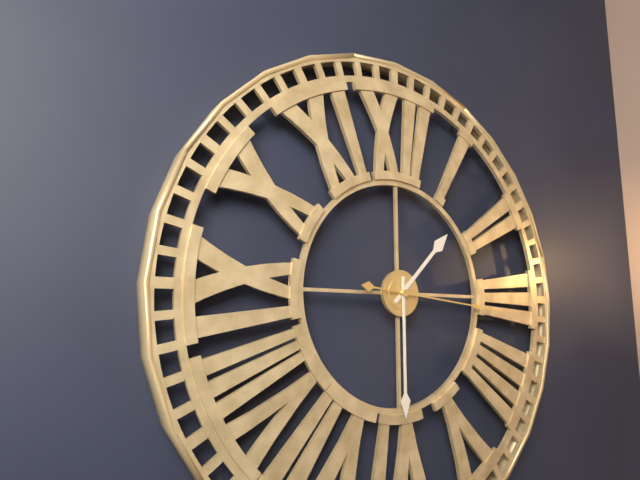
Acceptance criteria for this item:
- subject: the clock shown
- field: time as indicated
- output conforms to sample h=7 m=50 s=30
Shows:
h=1 m=30 s=16
